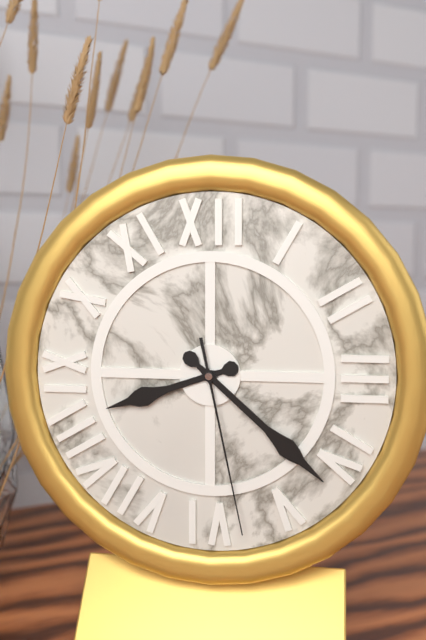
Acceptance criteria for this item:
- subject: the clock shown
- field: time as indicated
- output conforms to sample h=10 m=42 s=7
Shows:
h=8 m=22 s=28
